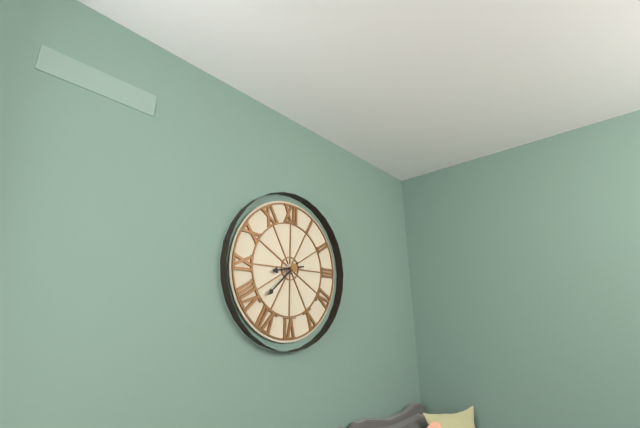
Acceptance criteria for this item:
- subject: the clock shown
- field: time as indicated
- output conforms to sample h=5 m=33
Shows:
h=8 m=38
